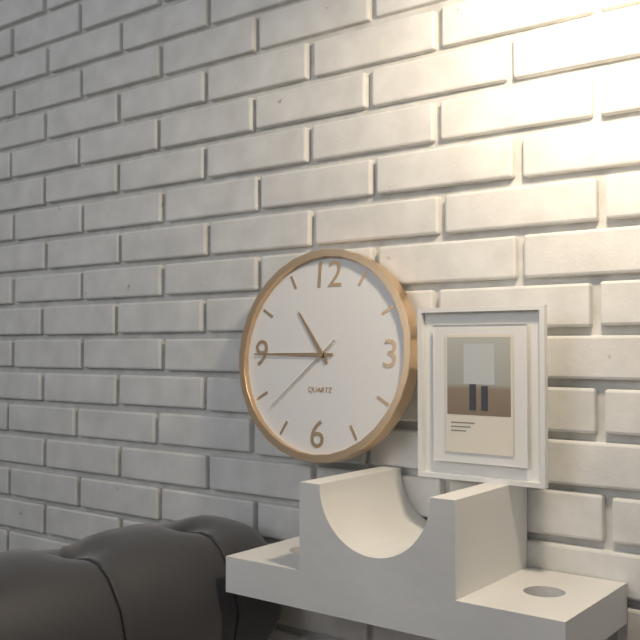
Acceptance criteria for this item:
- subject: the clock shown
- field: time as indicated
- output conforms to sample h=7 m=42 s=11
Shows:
h=10 m=45 s=38
